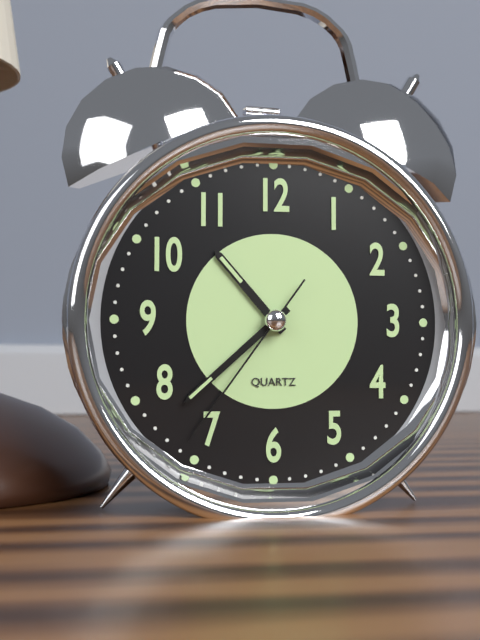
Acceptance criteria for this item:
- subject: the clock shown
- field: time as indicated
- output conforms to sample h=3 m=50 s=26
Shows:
h=10 m=38 s=36
